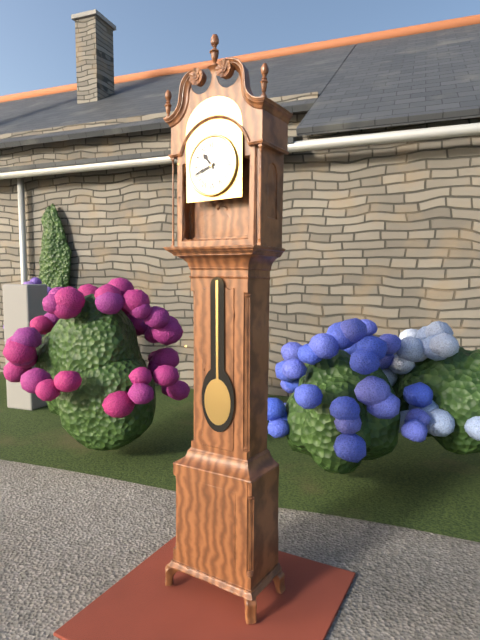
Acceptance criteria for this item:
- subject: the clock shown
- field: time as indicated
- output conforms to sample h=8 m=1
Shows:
h=10 m=42
